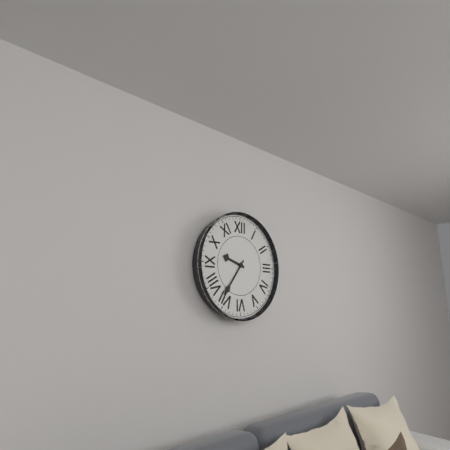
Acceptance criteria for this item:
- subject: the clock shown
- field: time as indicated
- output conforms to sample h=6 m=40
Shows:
h=9 m=36
